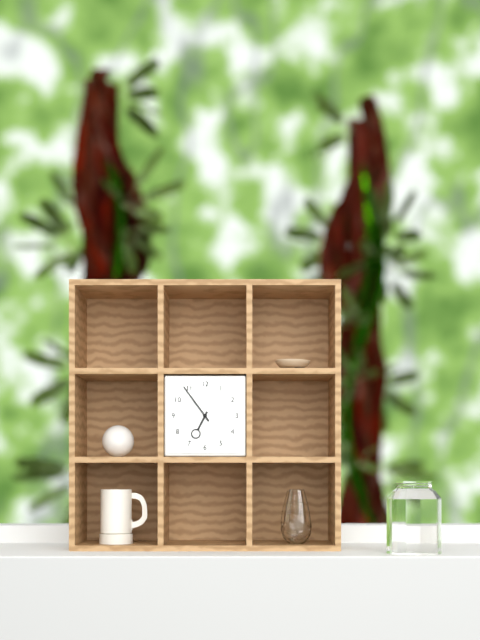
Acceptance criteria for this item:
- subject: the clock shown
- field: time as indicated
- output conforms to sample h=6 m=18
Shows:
h=6 m=54
